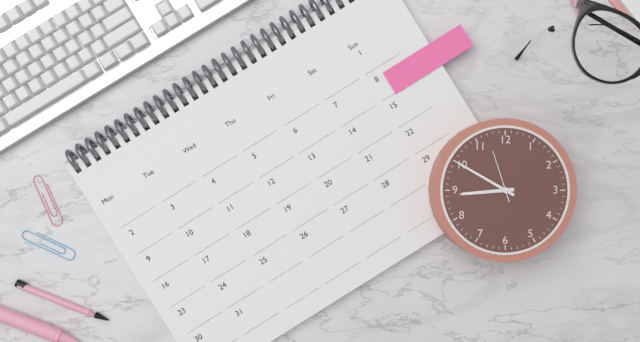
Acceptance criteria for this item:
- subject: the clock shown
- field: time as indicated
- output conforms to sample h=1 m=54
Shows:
h=8 m=50
